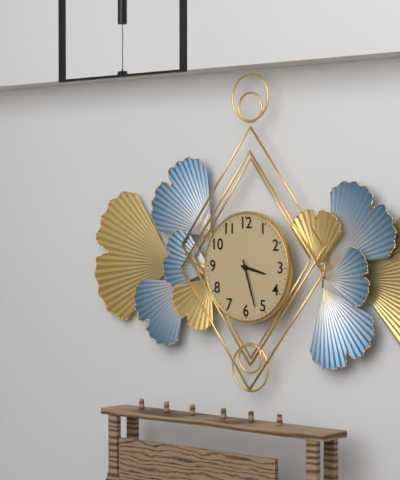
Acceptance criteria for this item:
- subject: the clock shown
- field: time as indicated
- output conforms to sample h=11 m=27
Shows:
h=3 m=27
